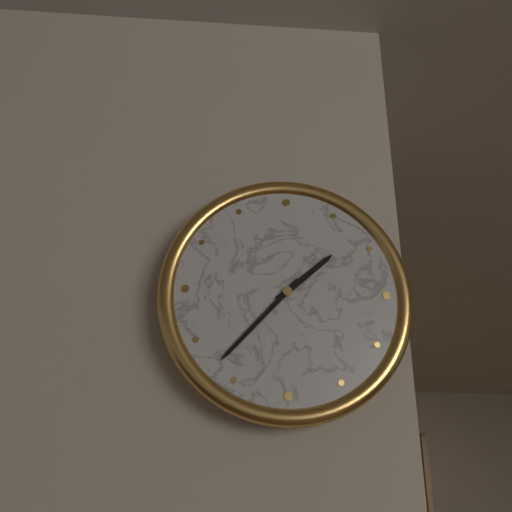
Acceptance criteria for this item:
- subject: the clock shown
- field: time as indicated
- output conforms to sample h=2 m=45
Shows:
h=1 m=37
